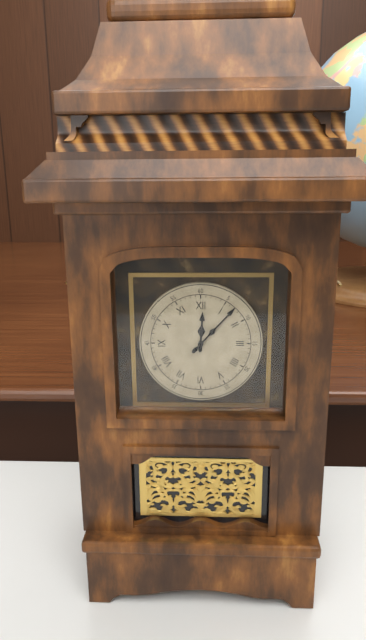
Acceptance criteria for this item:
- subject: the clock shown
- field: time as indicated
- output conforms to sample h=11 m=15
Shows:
h=12 m=7
